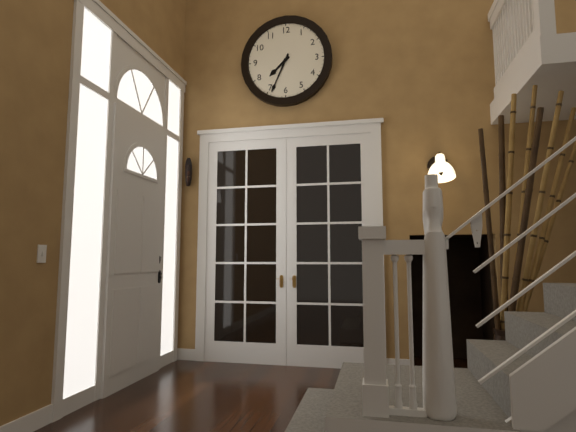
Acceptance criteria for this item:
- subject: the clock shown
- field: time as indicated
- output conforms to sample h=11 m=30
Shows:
h=7 m=34
